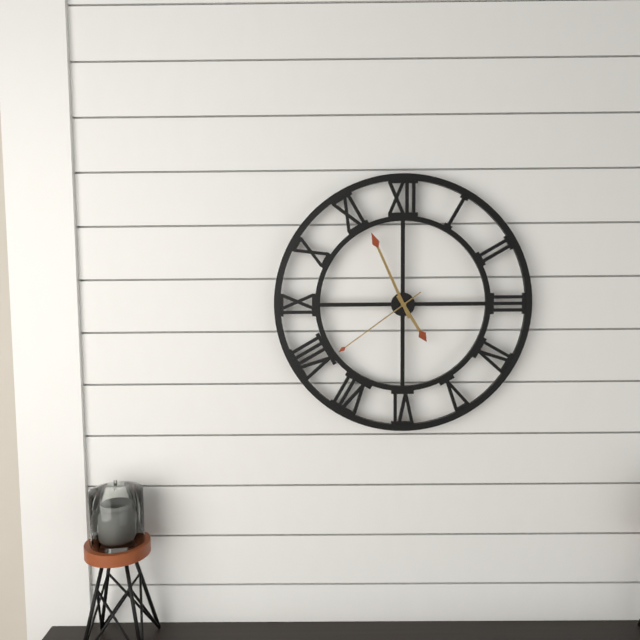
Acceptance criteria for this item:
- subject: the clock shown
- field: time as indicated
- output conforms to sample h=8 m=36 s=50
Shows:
h=4 m=56 s=39
